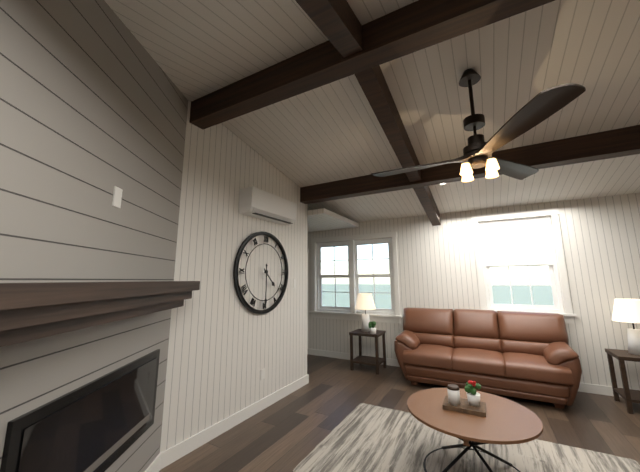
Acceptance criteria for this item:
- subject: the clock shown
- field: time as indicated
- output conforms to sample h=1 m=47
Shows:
h=4 m=30
